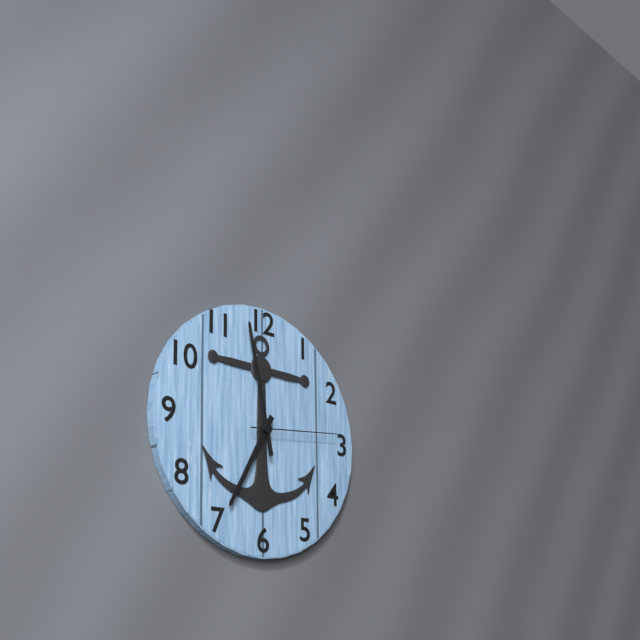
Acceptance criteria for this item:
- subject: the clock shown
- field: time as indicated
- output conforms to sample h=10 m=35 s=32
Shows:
h=6 m=58 s=14
